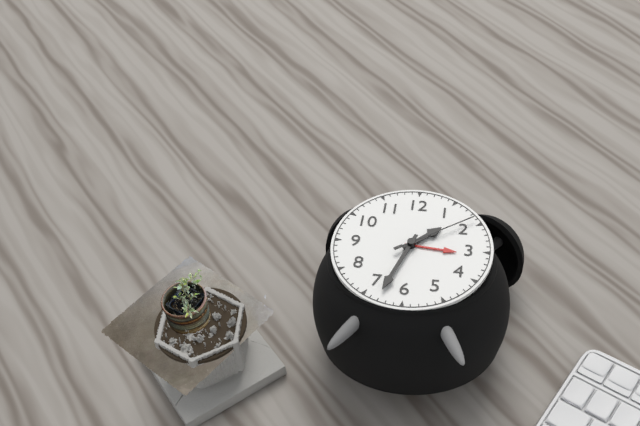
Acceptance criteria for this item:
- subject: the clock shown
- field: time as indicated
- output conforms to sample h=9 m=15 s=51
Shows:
h=1 m=33 s=9
